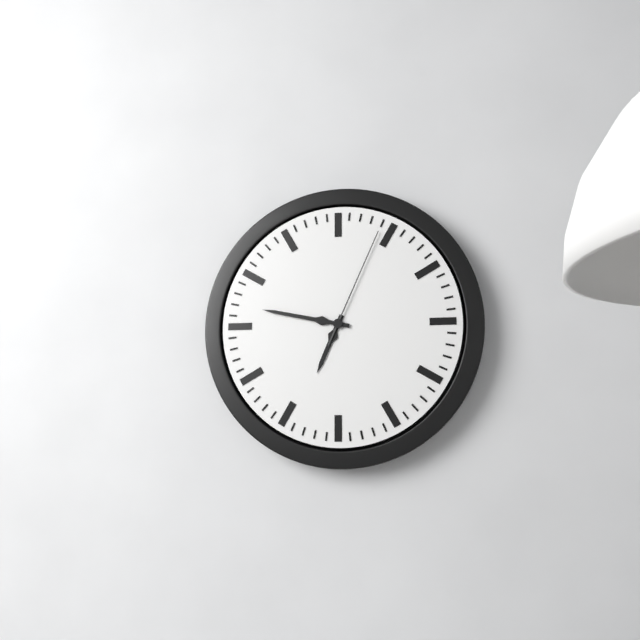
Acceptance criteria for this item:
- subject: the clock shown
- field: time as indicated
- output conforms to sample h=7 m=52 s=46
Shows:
h=6 m=47 s=4
